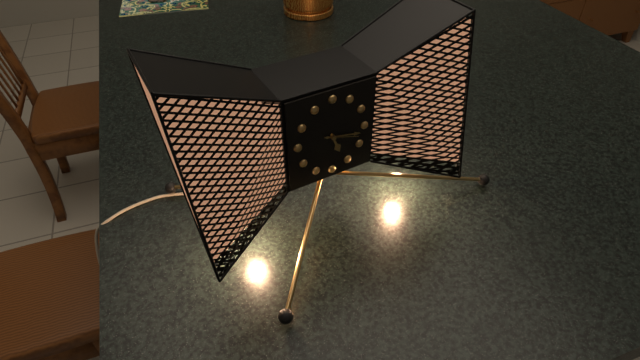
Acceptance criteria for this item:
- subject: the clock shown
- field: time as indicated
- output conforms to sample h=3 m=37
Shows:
h=5 m=17
